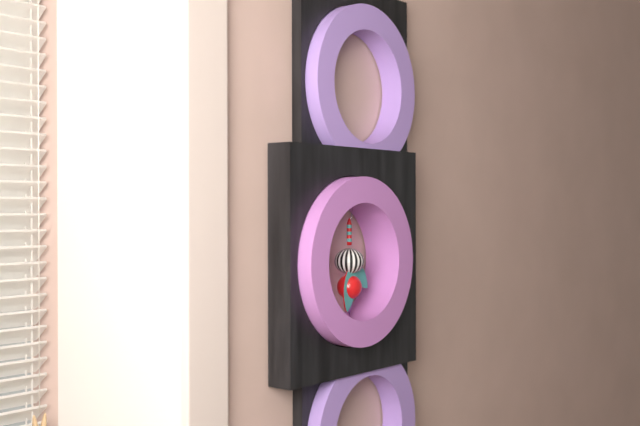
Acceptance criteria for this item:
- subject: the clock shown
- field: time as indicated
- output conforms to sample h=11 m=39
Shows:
h=4 m=32
